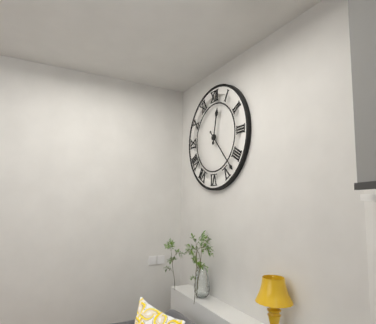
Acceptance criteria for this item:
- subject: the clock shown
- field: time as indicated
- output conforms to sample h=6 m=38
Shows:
h=12 m=23
